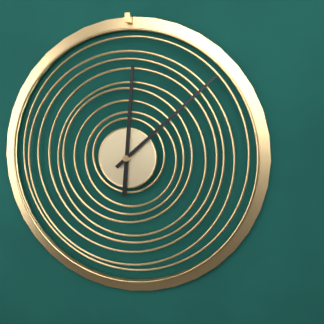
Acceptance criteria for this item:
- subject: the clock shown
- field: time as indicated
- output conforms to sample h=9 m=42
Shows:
h=12 m=8
